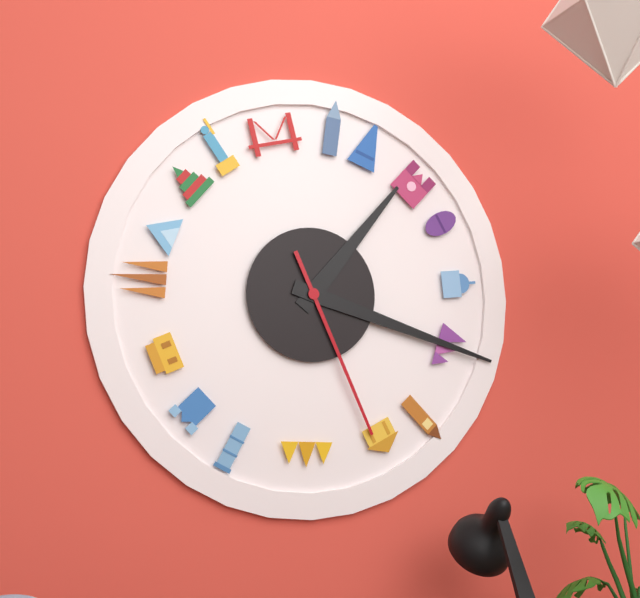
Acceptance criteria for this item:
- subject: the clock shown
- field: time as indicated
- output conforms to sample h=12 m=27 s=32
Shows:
h=1 m=18 s=26
